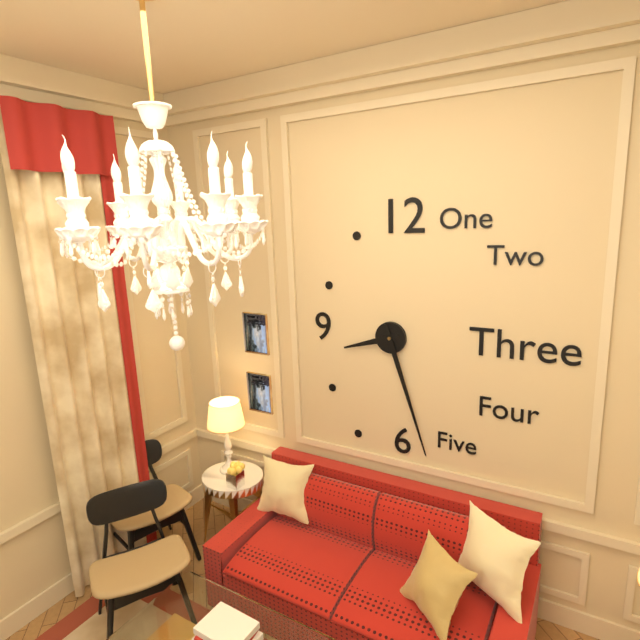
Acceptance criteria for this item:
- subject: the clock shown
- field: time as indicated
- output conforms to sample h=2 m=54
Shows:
h=8 m=27
